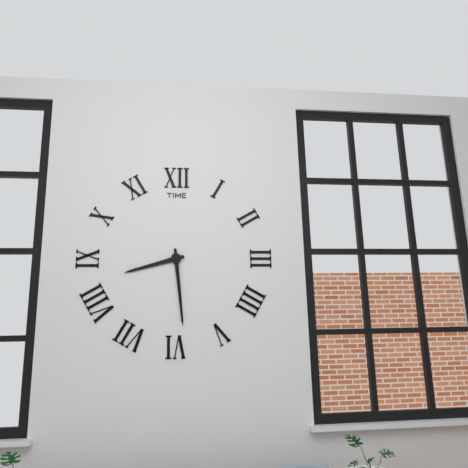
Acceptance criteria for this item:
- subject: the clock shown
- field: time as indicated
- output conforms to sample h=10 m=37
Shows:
h=8 m=29
